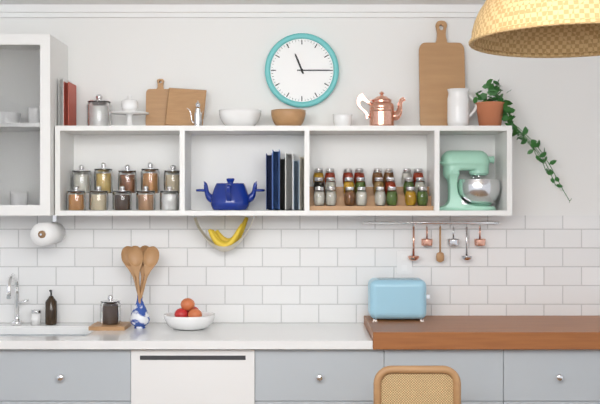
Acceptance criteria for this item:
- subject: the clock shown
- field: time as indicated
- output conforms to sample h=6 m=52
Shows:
h=11 m=15
